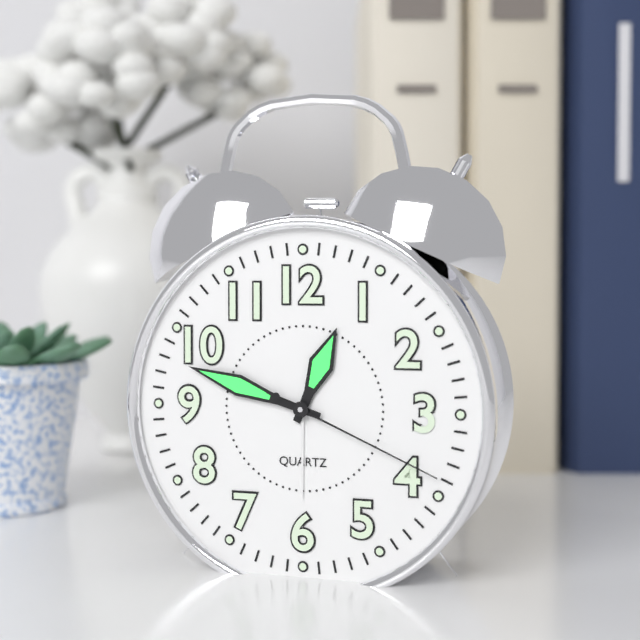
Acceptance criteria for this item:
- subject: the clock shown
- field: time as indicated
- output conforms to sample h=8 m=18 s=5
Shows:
h=12 m=48 s=19
